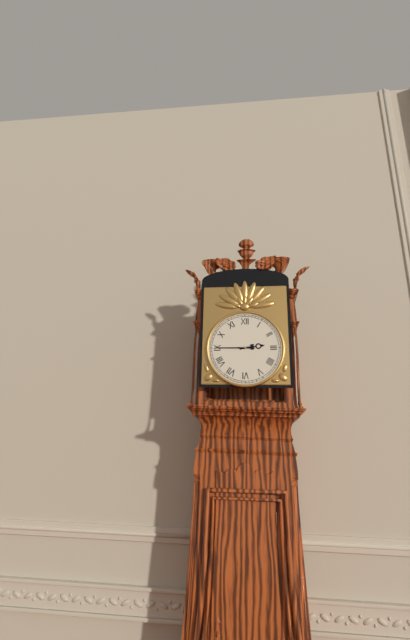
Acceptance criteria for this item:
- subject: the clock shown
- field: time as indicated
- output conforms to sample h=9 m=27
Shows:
h=2 m=45
